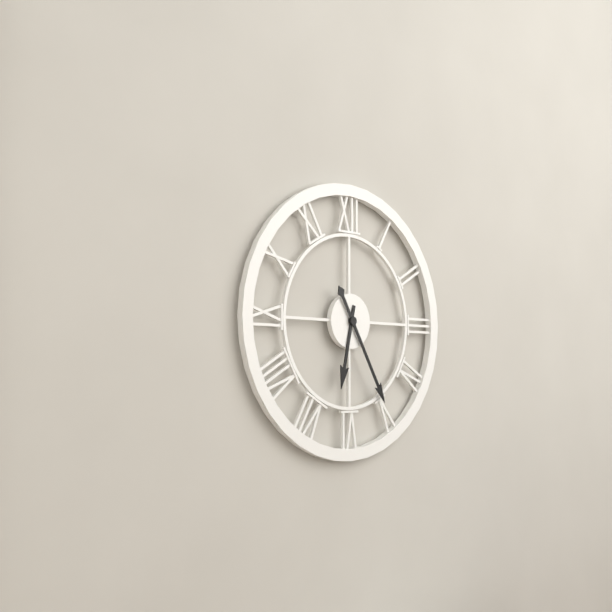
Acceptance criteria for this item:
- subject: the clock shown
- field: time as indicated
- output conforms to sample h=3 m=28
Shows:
h=6 m=25
